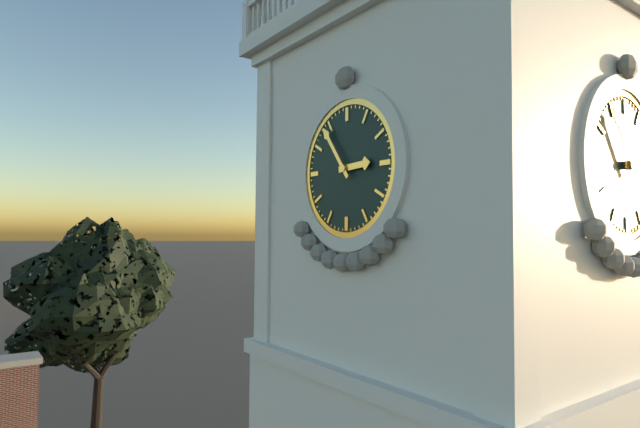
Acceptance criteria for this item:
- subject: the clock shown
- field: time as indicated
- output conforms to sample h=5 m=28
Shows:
h=2 m=54
